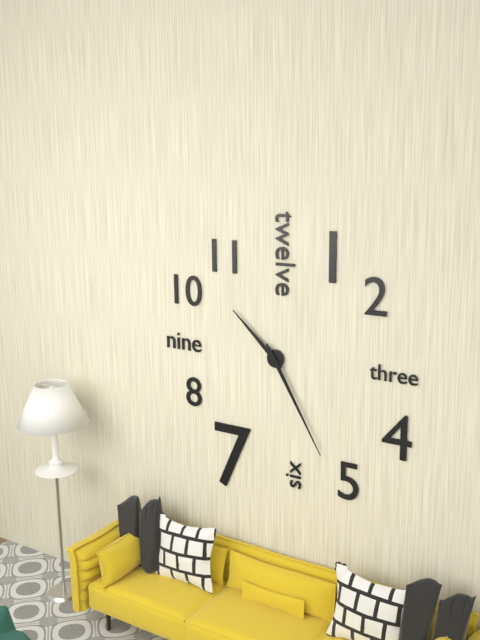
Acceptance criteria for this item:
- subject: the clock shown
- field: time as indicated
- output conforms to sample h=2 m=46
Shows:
h=10 m=25
